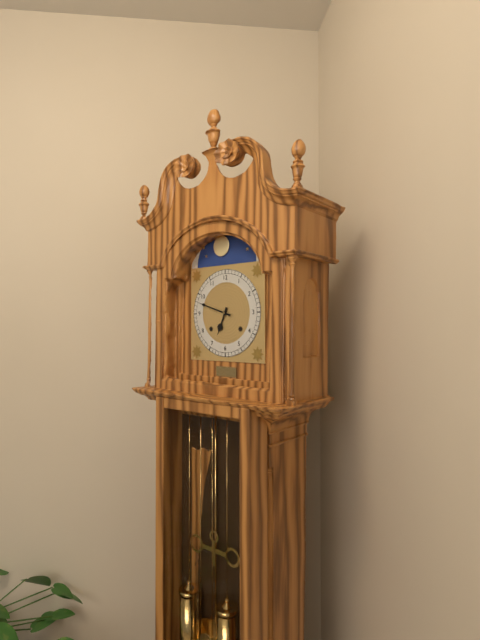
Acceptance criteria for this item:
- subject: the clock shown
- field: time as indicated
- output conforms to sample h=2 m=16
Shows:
h=6 m=48
